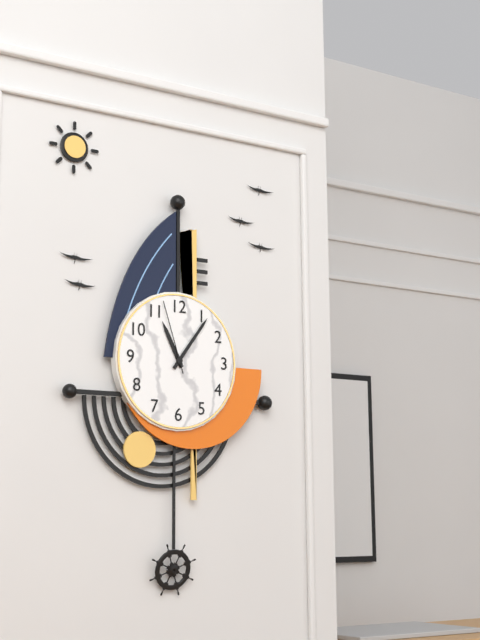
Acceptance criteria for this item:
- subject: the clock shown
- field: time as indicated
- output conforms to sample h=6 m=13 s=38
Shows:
h=11 m=6 s=57
